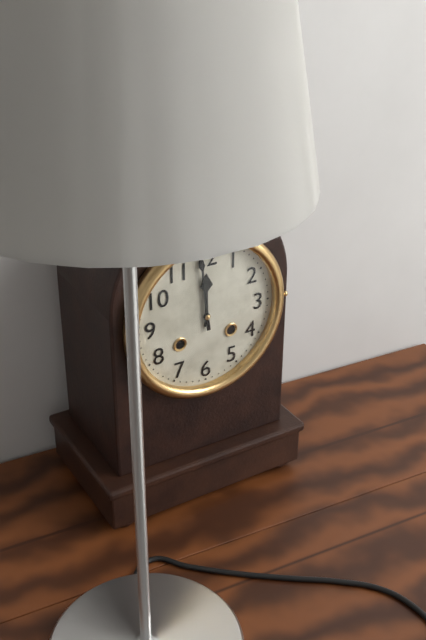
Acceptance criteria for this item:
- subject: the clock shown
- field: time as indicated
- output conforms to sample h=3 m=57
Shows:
h=11 m=59
